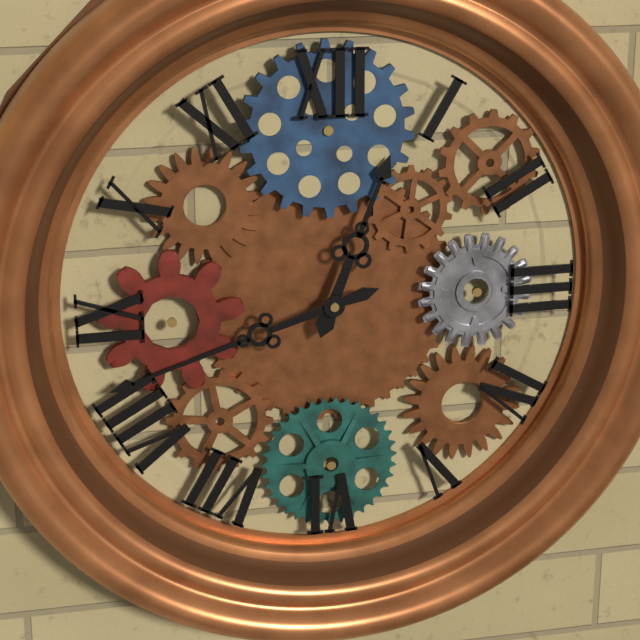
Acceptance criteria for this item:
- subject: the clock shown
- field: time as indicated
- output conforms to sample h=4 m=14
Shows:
h=12 m=42
